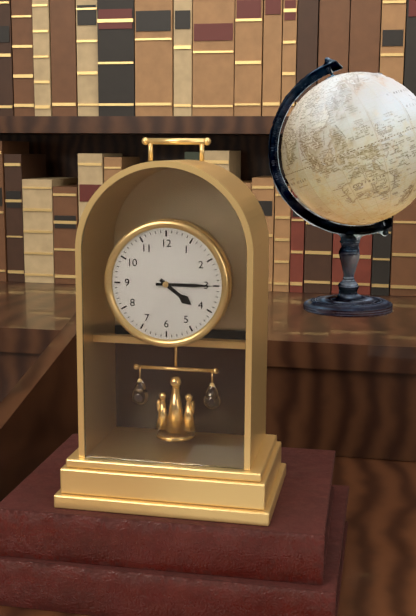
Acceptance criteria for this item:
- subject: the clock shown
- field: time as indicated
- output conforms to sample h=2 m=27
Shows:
h=4 m=15
